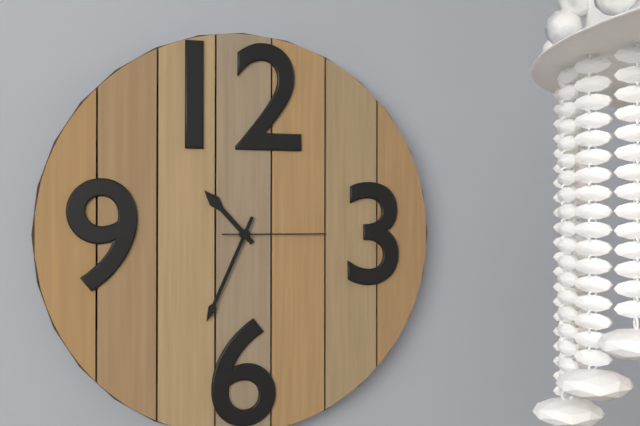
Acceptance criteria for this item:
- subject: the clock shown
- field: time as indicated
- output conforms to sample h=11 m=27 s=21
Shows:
h=10 m=34 s=15
